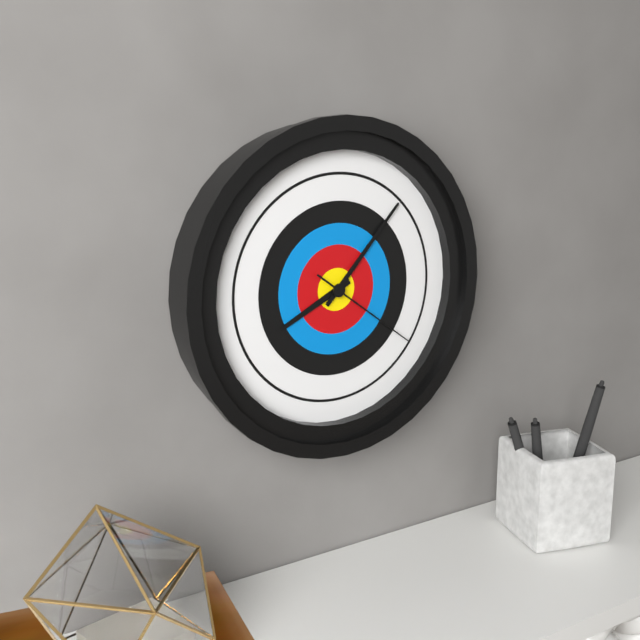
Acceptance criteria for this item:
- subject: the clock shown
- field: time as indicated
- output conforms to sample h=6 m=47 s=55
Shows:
h=8 m=7 s=21
